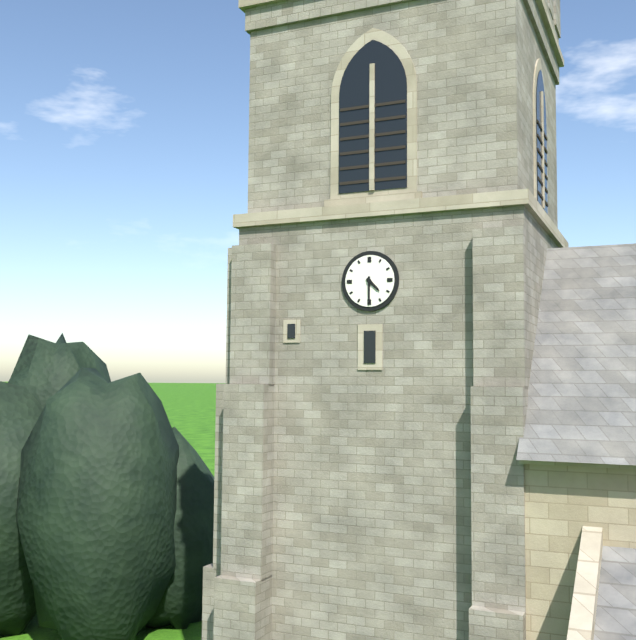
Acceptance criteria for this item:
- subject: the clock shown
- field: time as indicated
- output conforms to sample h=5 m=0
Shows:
h=4 m=30
